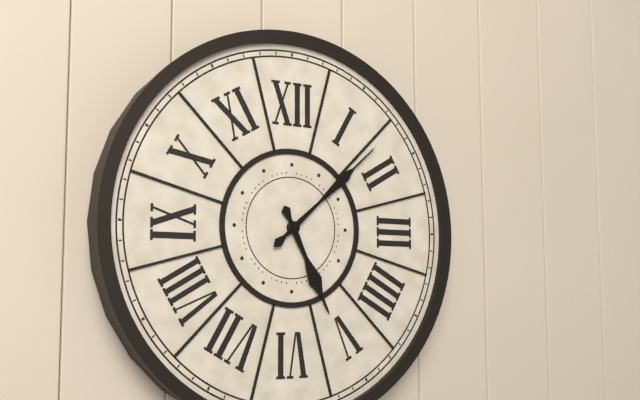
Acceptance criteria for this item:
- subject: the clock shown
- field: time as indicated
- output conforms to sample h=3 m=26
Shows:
h=5 m=8
